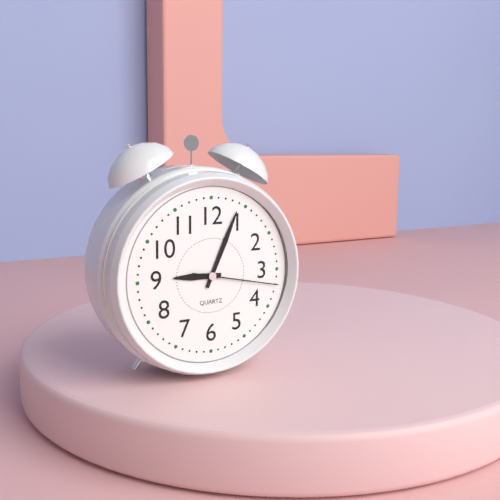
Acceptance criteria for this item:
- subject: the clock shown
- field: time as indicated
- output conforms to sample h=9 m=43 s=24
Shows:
h=9 m=4 s=17
